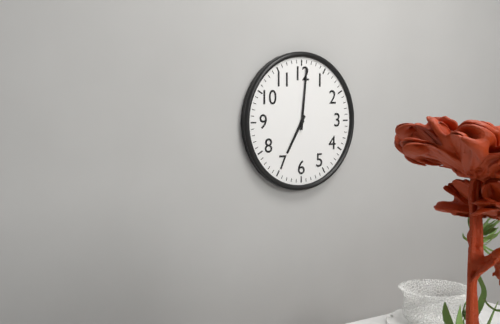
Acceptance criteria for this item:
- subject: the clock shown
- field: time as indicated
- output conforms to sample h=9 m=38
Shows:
h=7 m=1
